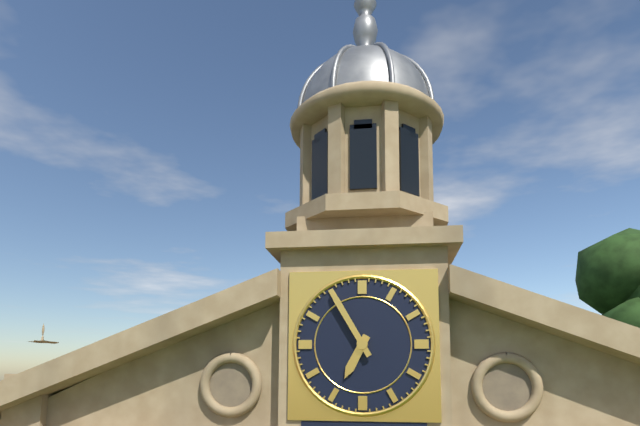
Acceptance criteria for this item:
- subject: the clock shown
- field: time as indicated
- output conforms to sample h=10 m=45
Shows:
h=6 m=55
